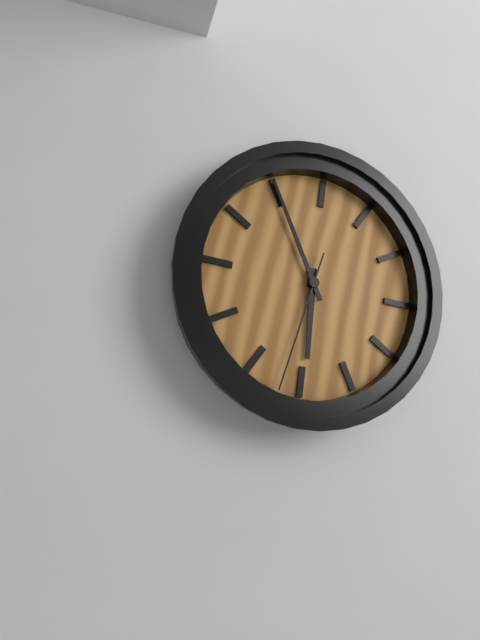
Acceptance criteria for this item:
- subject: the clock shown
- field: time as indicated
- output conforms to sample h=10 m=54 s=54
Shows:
h=5 m=55 s=32
